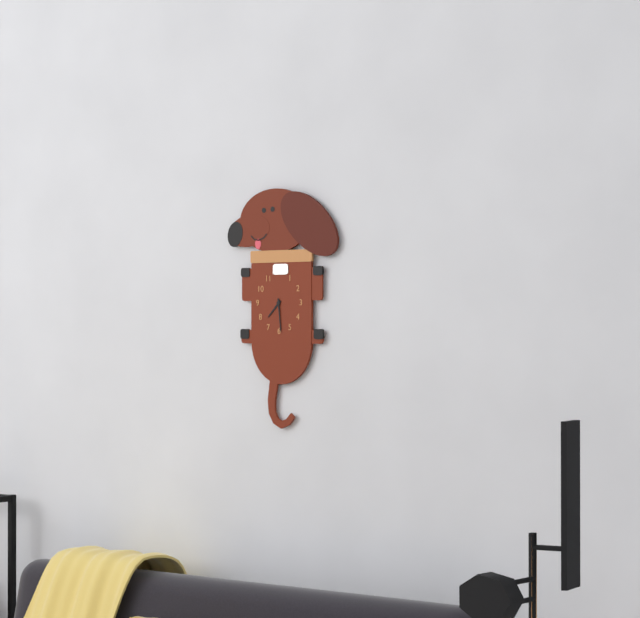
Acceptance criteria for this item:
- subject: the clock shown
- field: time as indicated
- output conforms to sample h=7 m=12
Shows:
h=7 m=29
